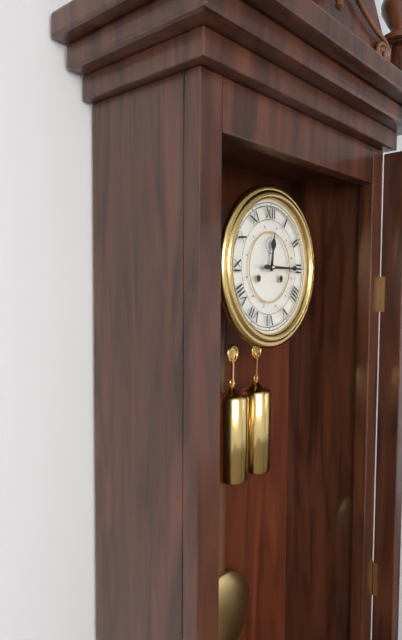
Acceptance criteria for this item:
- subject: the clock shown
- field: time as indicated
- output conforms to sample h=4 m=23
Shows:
h=12 m=15
